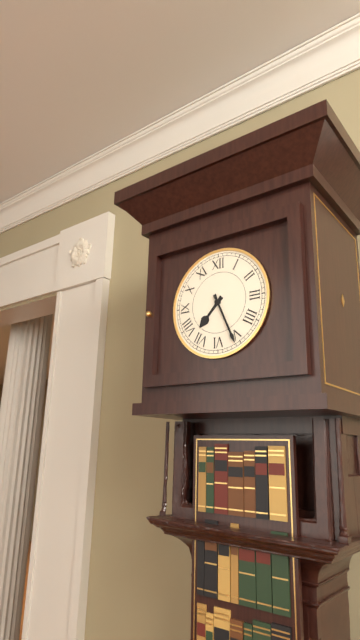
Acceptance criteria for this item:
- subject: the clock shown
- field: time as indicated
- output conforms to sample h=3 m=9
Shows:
h=7 m=26
